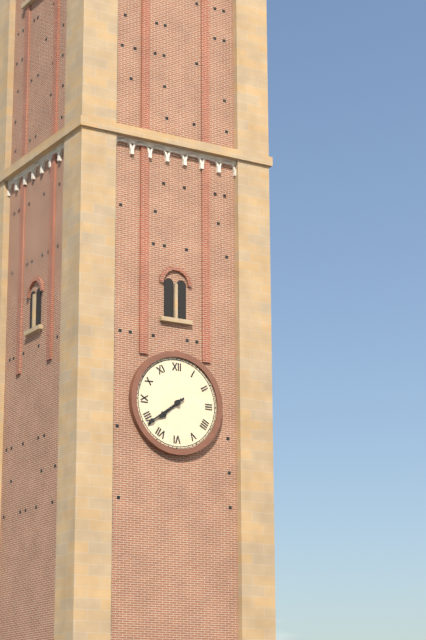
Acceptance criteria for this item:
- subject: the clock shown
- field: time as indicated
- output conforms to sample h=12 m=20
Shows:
h=7 m=39
